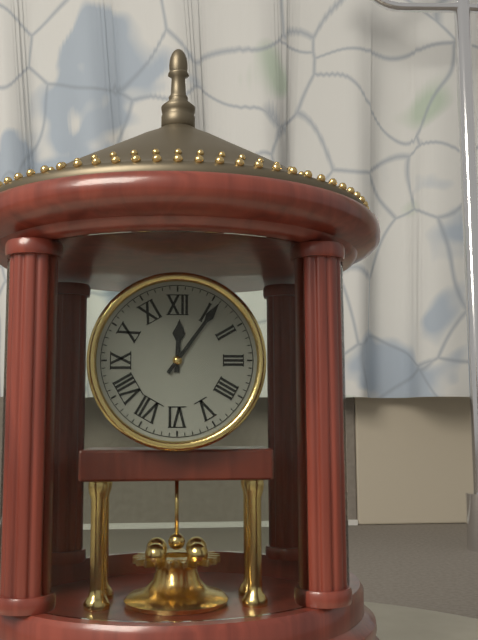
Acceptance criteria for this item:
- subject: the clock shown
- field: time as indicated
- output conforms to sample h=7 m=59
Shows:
h=12 m=6
